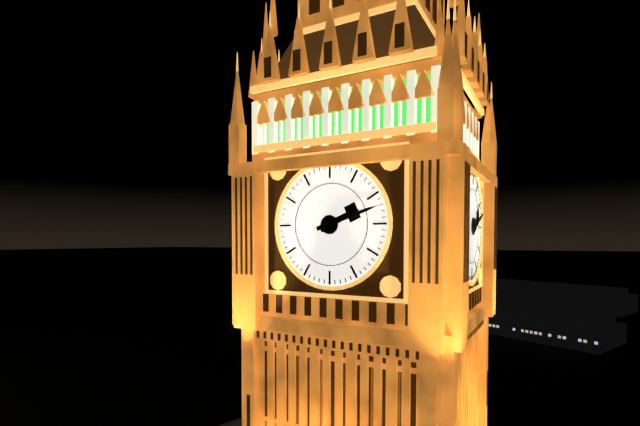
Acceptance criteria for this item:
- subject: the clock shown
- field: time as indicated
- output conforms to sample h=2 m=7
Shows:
h=2 m=12
